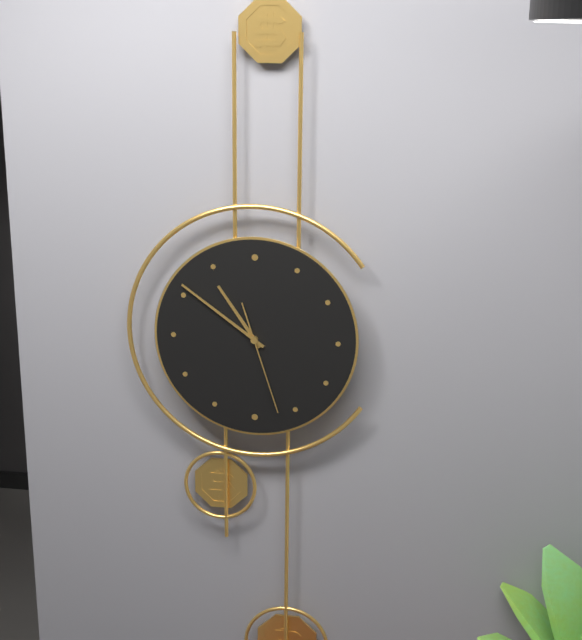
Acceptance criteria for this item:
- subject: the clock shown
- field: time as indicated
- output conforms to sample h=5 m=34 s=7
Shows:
h=10 m=51 s=27
